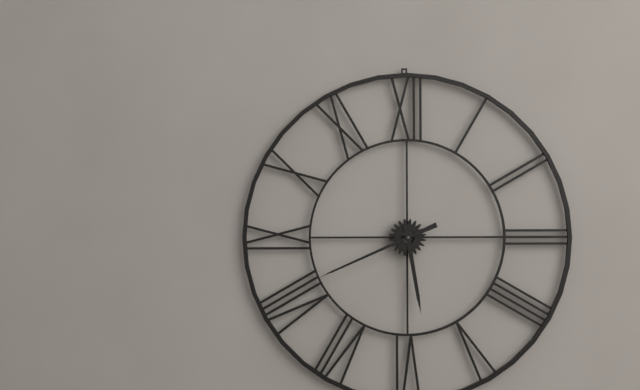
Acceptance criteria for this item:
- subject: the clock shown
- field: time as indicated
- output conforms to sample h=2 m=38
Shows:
h=5 m=41
